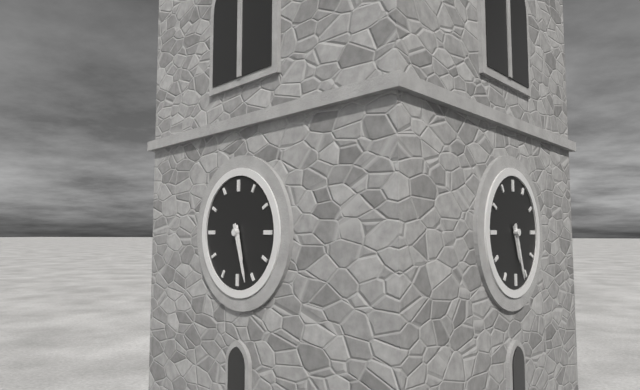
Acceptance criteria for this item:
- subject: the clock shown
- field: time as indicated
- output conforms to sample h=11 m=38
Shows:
h=5 m=27
